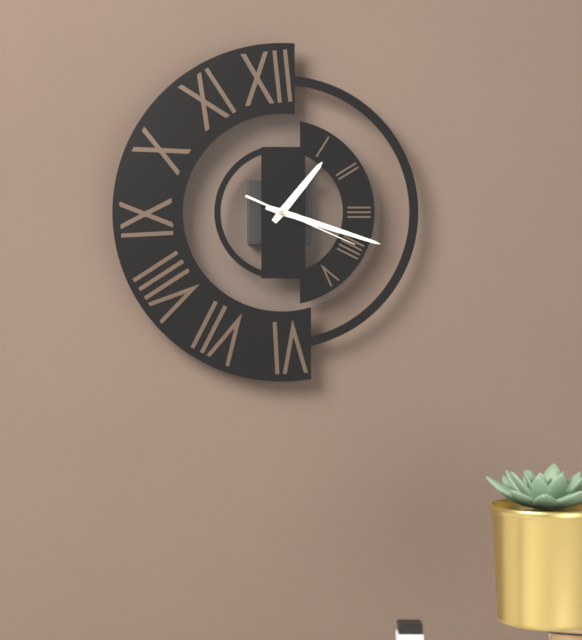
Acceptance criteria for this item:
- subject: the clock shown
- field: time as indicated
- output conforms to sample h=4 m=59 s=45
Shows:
h=1 m=18 s=19
